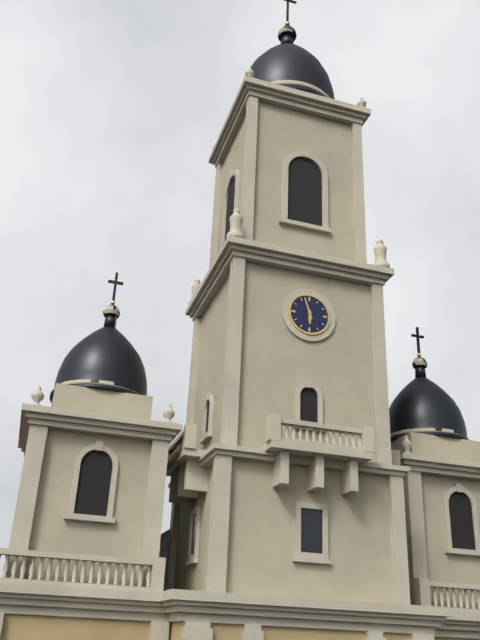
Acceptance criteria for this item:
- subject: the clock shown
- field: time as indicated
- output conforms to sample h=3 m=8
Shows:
h=5 m=57
